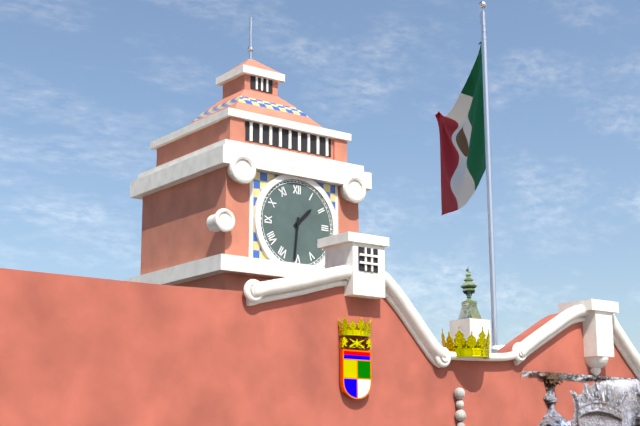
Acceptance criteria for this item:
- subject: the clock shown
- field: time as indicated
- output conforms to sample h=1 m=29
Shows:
h=1 m=31
